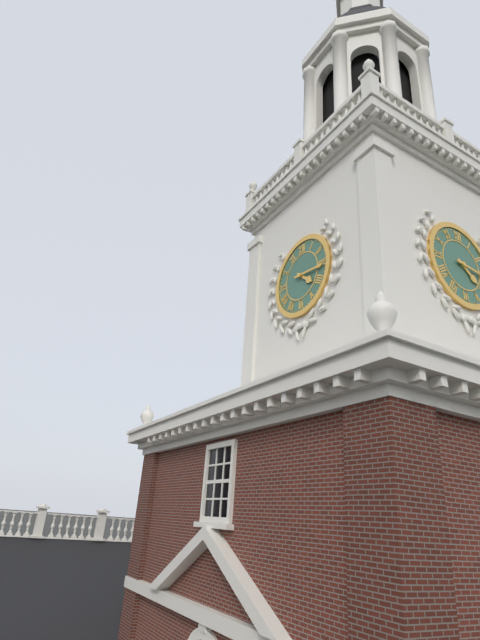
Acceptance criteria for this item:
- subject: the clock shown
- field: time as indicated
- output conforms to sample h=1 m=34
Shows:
h=4 m=16
